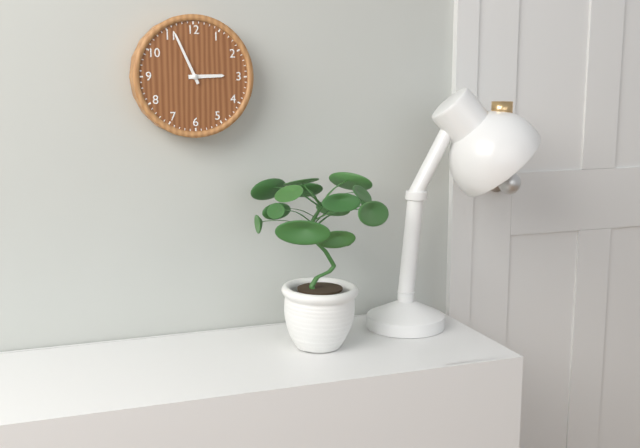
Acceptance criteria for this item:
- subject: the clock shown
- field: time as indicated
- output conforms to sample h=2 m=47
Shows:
h=2 m=56
